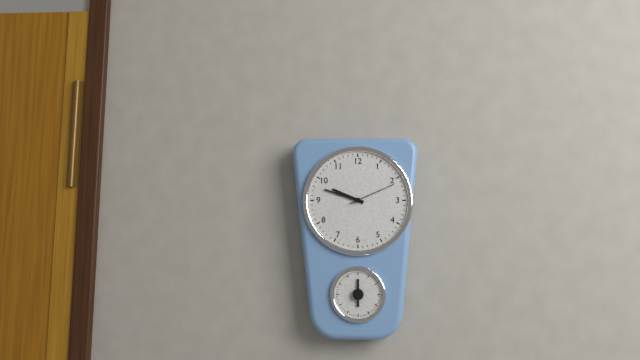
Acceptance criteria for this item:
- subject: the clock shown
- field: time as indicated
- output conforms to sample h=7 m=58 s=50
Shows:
h=9 m=48 s=11
